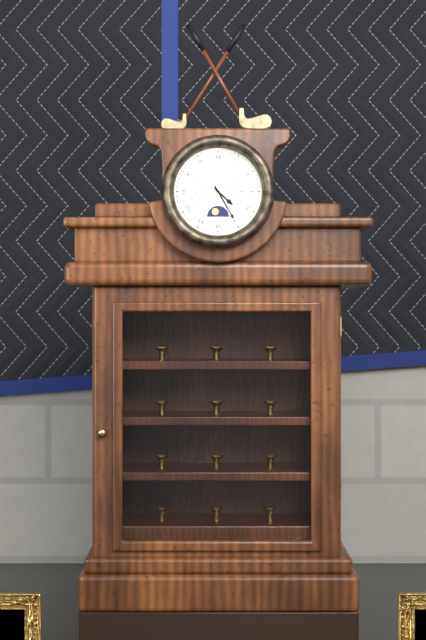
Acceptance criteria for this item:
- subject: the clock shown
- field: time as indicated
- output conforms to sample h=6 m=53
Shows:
h=4 m=25
